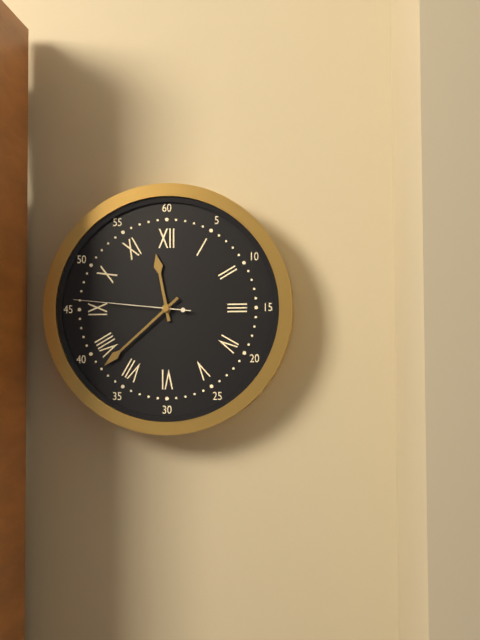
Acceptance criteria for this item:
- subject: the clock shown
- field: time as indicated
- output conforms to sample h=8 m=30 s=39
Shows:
h=11 m=38 s=46
